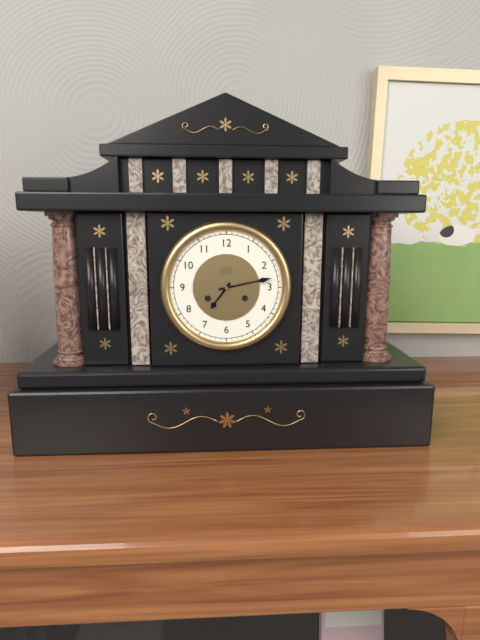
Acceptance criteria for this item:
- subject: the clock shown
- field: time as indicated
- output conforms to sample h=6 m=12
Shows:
h=7 m=13
